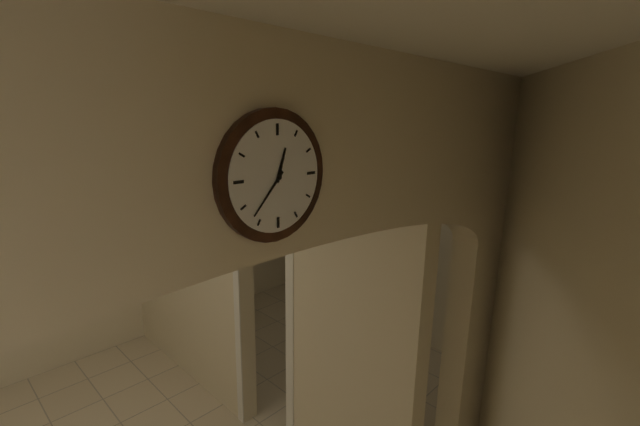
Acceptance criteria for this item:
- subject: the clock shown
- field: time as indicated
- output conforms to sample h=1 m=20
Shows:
h=12 m=37
